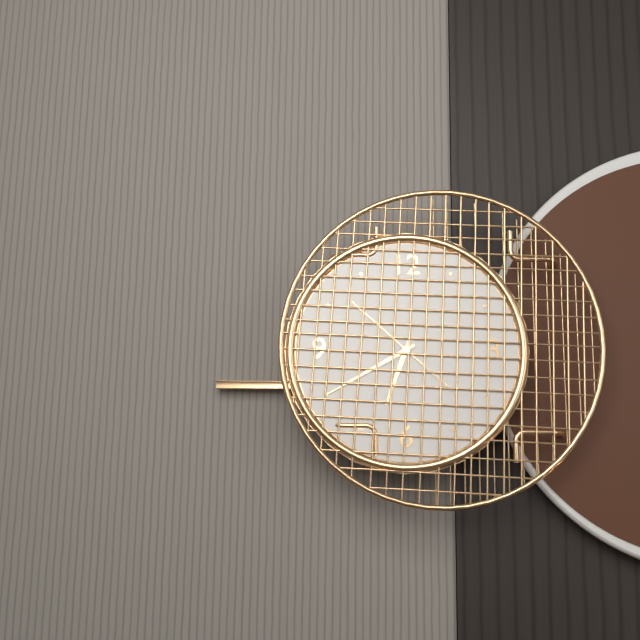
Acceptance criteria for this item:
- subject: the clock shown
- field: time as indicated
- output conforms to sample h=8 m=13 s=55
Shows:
h=6 m=40 s=52
